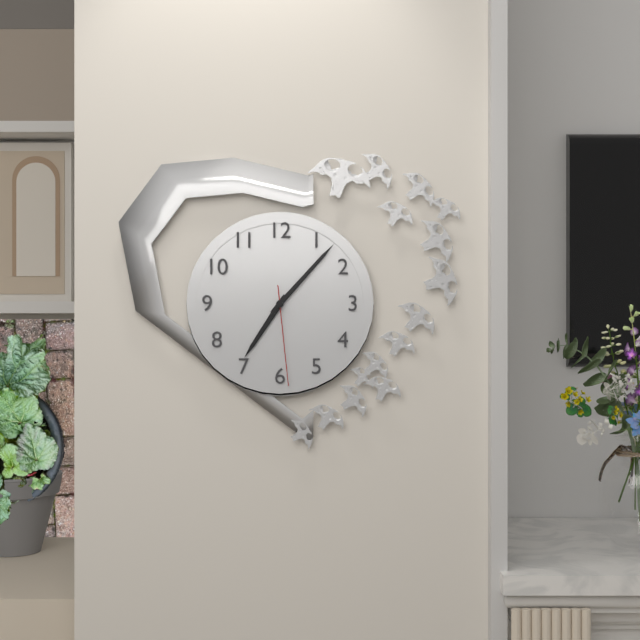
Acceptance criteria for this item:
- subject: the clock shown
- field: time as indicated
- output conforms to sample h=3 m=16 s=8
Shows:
h=7 m=7 s=29
